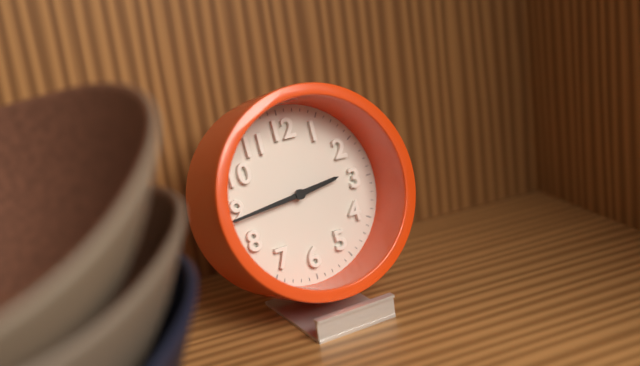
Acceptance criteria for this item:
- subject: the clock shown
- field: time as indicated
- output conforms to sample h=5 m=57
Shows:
h=2 m=44
